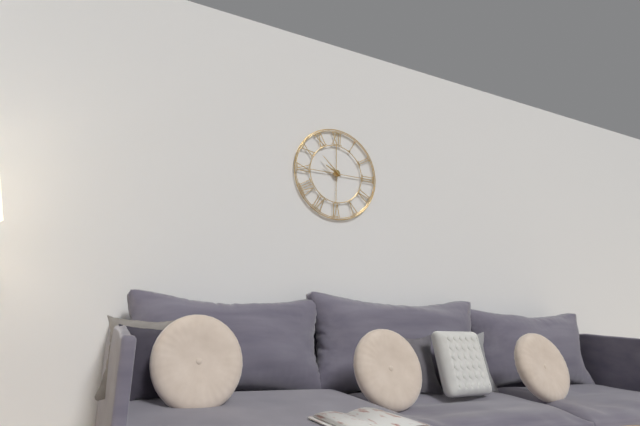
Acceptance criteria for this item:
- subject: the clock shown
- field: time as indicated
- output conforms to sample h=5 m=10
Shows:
h=9 m=52
